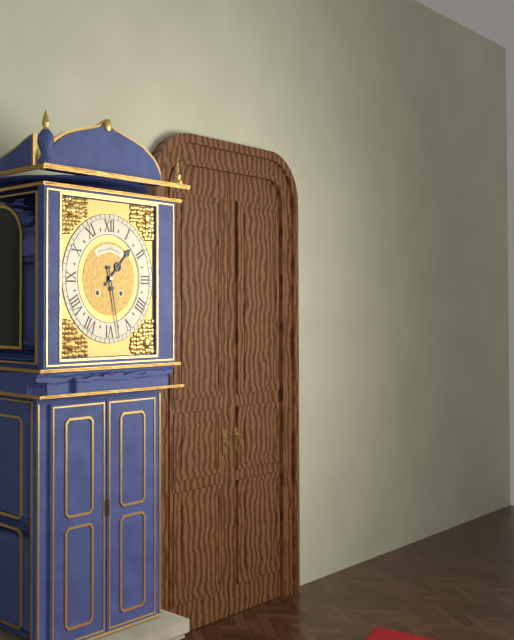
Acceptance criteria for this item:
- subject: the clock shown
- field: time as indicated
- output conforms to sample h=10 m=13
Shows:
h=1 m=28
